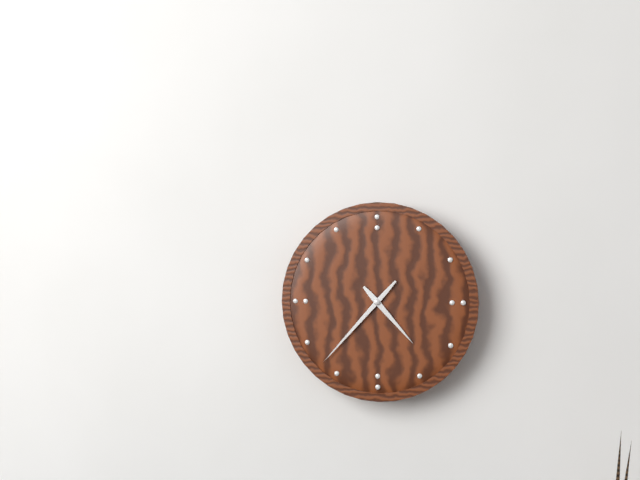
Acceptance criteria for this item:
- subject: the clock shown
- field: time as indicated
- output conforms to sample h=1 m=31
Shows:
h=4 m=37
